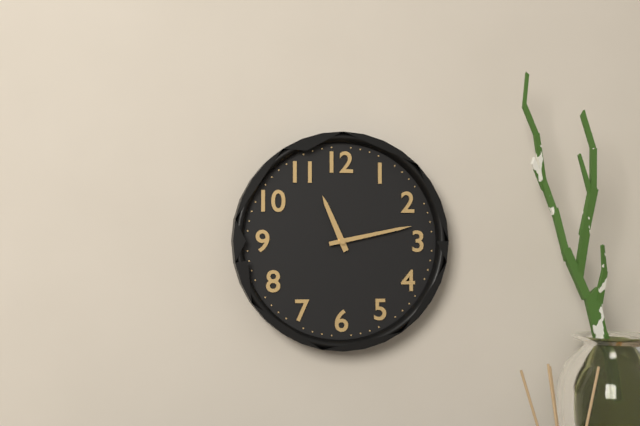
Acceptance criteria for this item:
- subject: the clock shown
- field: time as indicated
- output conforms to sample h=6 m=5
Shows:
h=11 m=13
